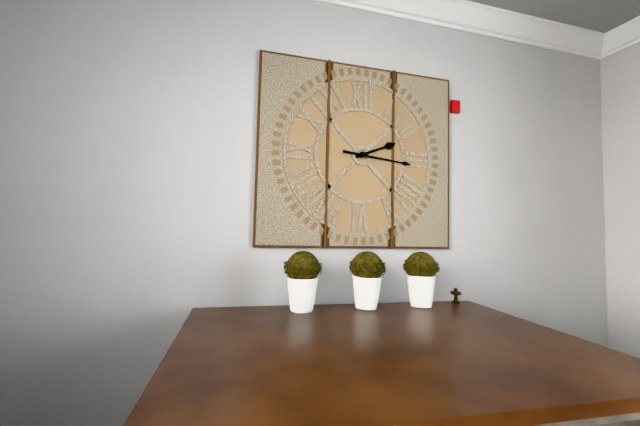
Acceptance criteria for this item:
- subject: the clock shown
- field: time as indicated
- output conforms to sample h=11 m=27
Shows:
h=2 m=16
